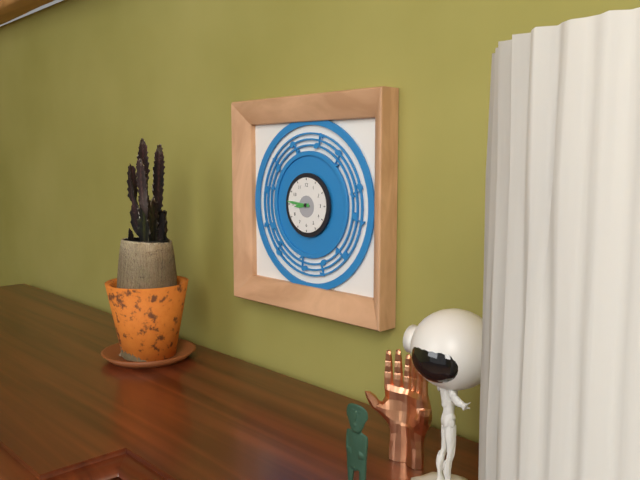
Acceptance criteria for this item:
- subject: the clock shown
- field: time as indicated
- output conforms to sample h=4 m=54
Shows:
h=8 m=46
